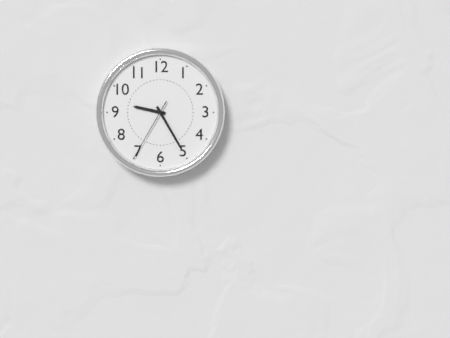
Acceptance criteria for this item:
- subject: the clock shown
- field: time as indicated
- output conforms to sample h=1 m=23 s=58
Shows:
h=9 m=25 s=35
